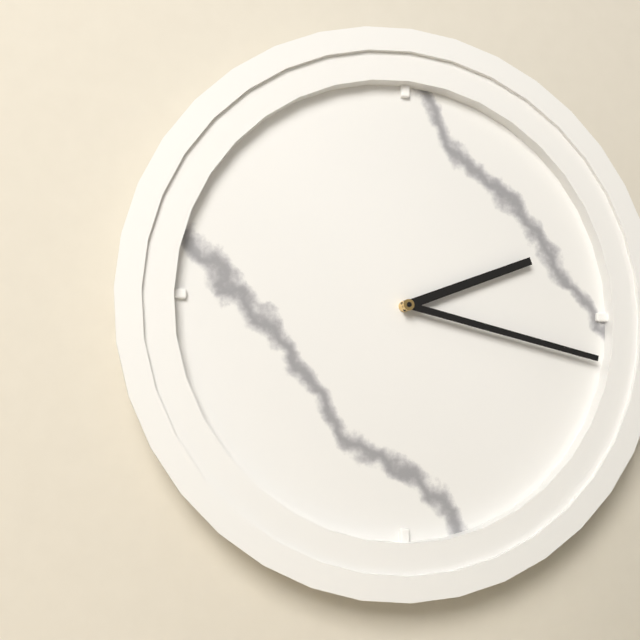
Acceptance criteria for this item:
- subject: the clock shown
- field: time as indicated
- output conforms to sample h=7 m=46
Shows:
h=2 m=17
